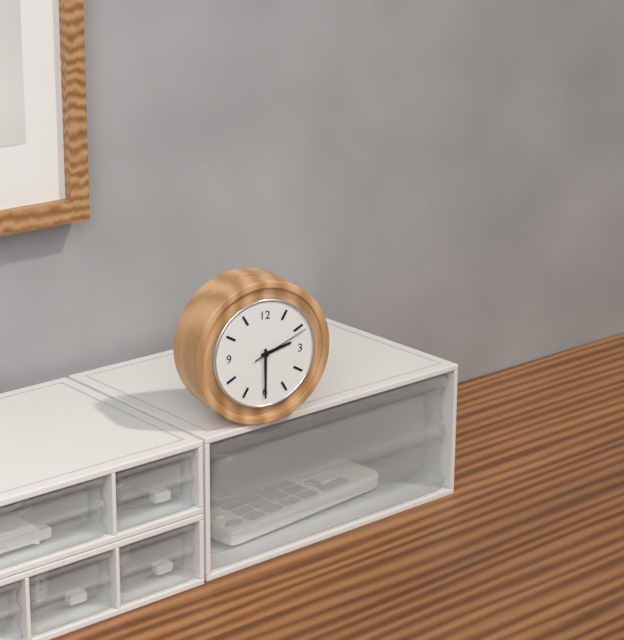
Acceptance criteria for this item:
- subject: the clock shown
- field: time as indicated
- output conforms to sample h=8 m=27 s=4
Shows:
h=2 m=30 s=11
